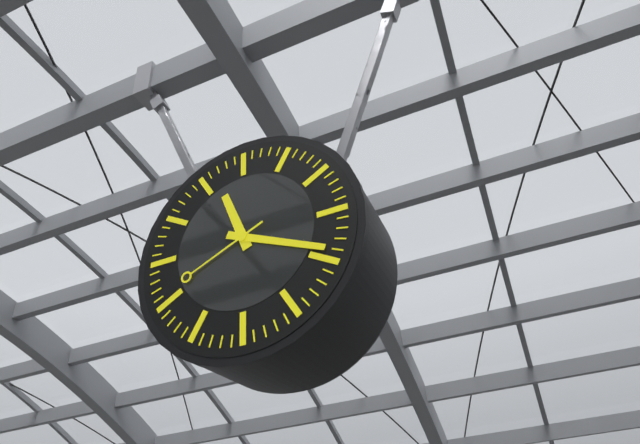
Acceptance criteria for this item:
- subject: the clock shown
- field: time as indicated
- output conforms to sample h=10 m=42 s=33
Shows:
h=11 m=19 s=41
